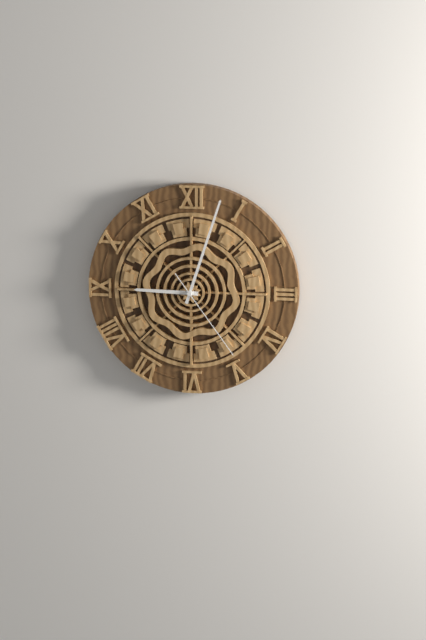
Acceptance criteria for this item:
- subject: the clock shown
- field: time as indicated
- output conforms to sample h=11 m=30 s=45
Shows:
h=9 m=3 s=24
